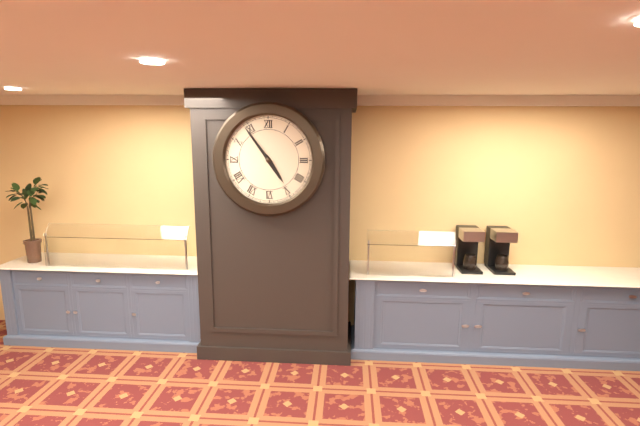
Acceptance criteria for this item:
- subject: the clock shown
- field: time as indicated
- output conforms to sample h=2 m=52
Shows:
h=4 m=54
